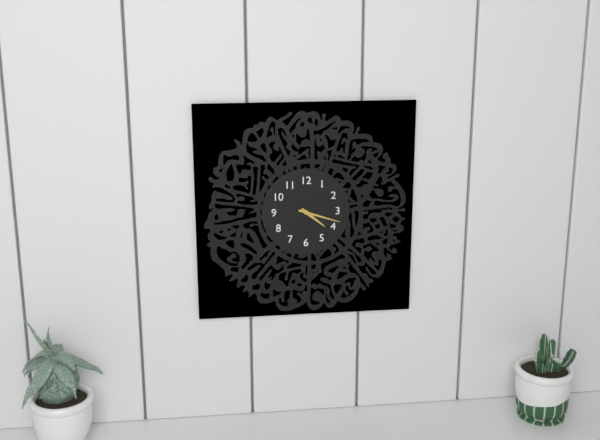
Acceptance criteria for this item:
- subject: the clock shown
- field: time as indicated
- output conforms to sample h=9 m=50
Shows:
h=4 m=18
